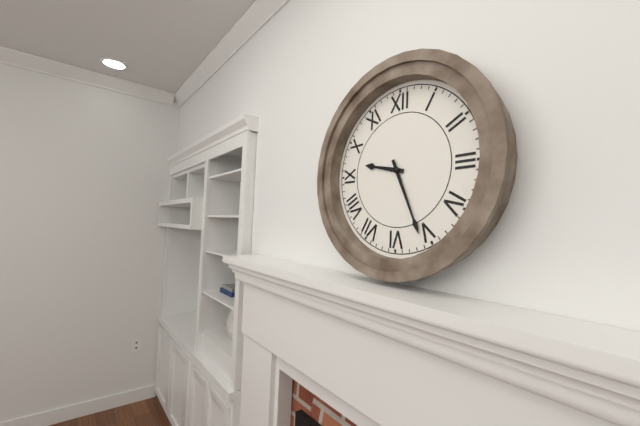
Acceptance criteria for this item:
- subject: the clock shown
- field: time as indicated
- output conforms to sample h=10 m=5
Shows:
h=9 m=26
